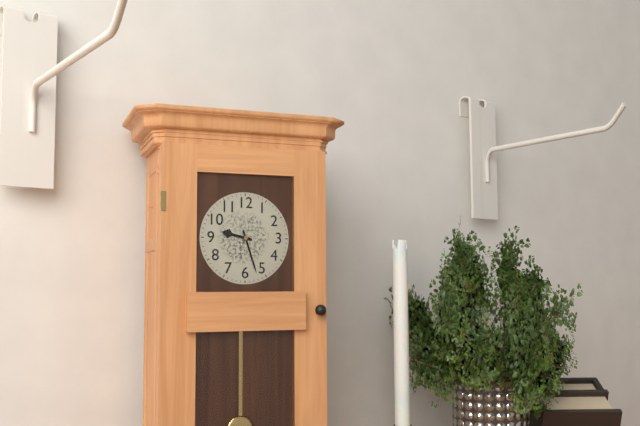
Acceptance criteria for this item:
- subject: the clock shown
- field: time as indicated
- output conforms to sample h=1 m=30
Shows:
h=9 m=27
